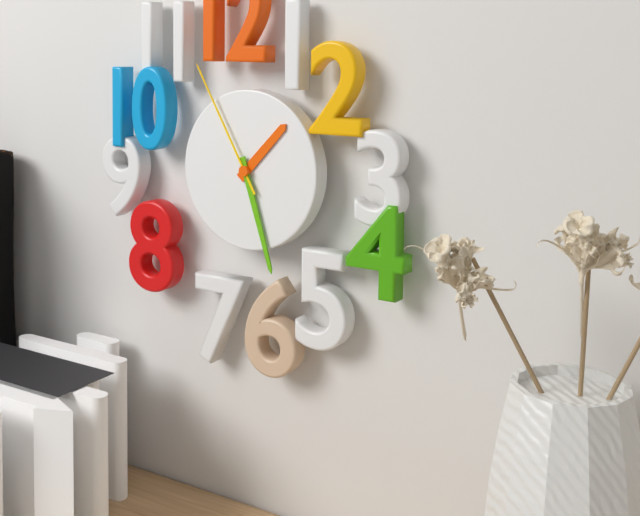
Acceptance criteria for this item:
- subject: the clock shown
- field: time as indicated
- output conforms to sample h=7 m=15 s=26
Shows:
h=1 m=27 s=55
